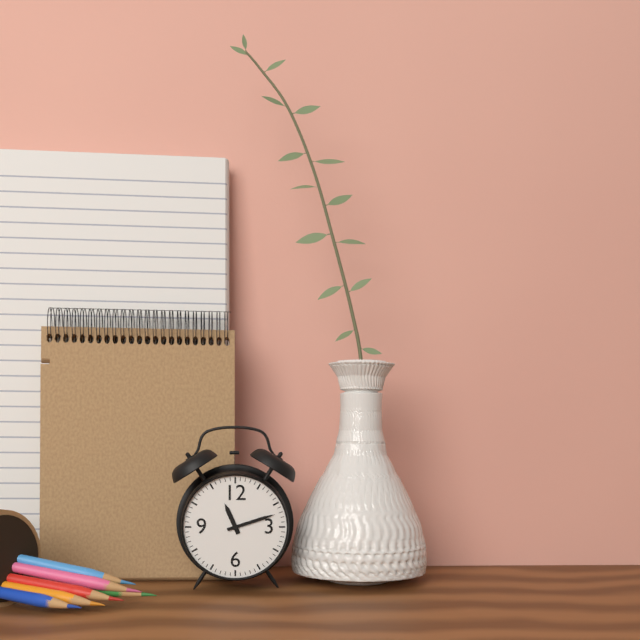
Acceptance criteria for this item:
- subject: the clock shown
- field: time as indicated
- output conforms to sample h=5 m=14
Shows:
h=11 m=12
